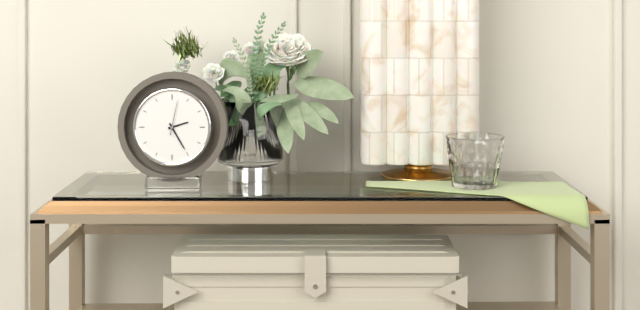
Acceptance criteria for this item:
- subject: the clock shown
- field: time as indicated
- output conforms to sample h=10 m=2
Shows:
h=2 m=25
